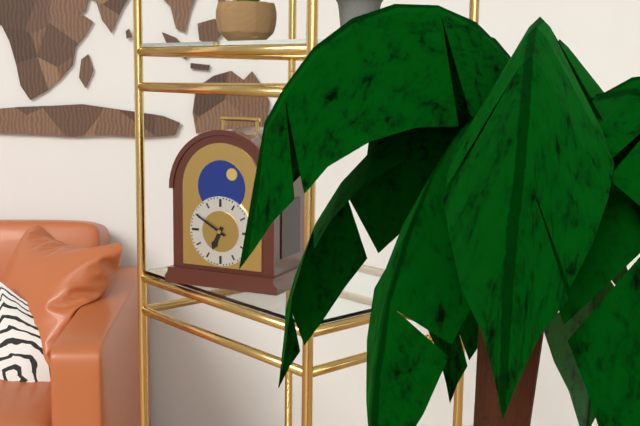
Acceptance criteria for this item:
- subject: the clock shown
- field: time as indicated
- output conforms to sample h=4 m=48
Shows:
h=6 m=50
